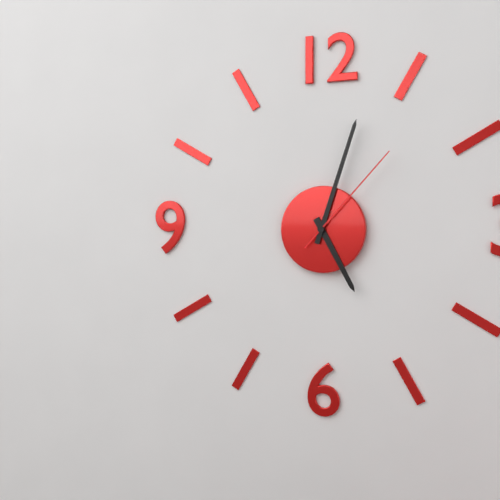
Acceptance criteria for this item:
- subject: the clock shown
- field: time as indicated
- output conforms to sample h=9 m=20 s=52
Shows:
h=5 m=3 s=7
